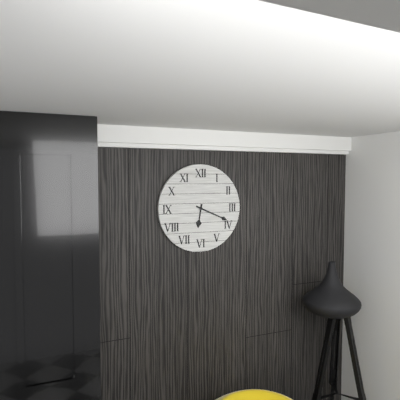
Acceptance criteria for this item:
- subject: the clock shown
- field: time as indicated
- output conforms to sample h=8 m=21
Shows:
h=6 m=19
